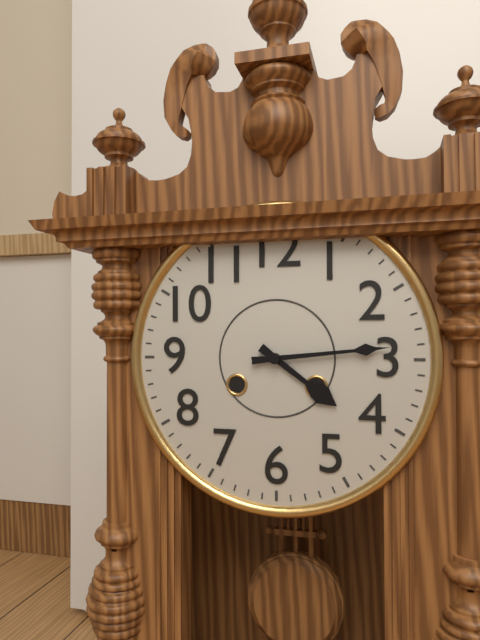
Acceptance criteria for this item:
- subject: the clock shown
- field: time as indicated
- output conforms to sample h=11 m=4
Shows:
h=4 m=14
